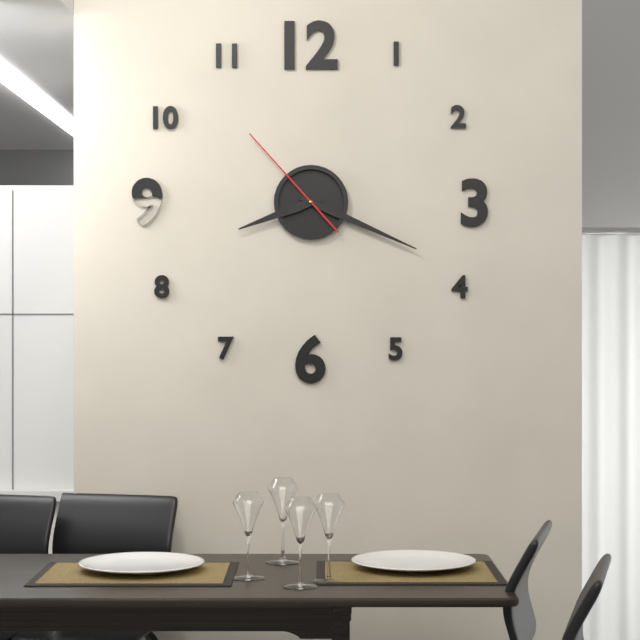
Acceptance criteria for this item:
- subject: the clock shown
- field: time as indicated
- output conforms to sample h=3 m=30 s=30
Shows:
h=8 m=19 s=53
